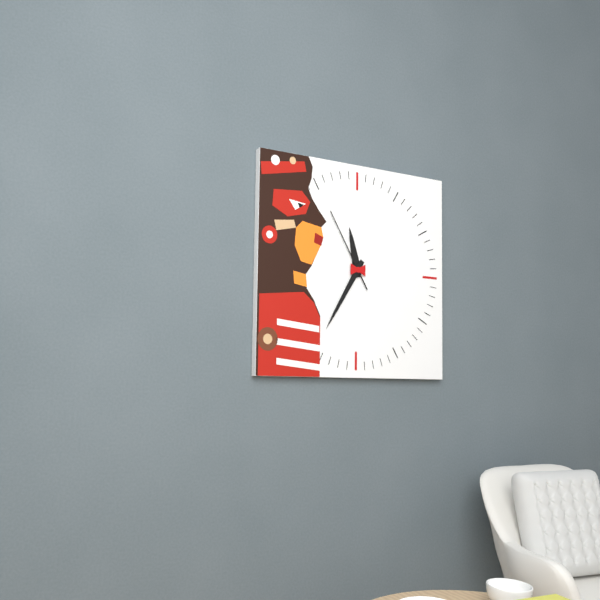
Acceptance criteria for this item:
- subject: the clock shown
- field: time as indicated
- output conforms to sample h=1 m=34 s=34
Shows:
h=11 m=35 s=55
